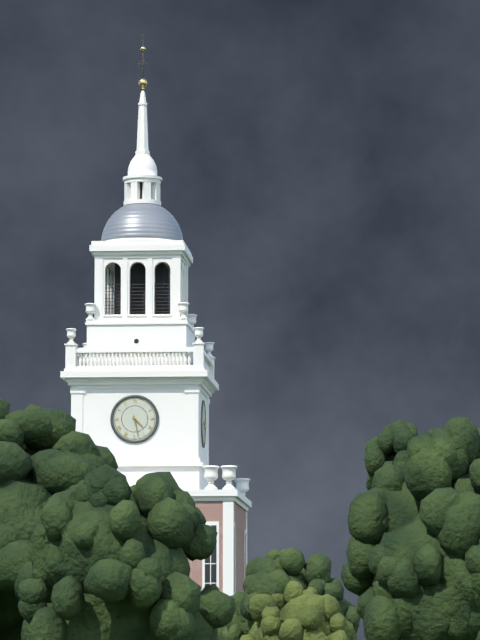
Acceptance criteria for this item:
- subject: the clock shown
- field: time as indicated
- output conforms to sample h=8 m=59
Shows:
h=4 m=28
